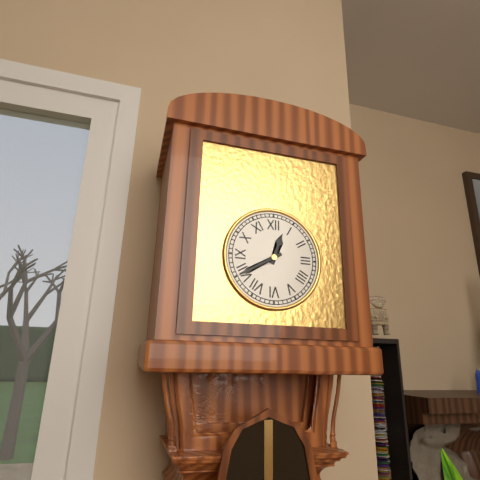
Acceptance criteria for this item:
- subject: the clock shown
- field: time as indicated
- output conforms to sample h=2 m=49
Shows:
h=12 m=40
